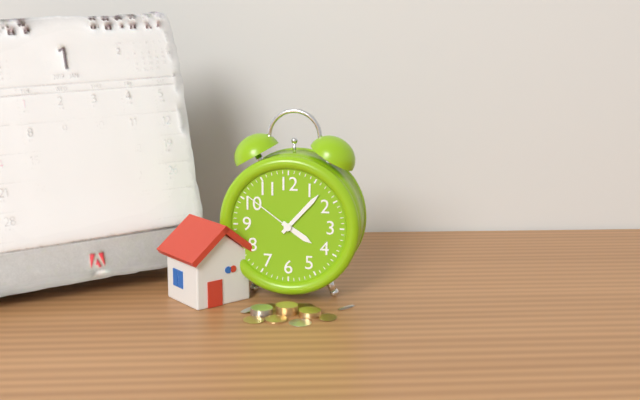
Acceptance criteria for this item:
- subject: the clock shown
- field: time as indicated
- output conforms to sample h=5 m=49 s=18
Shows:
h=4 m=7 s=51
